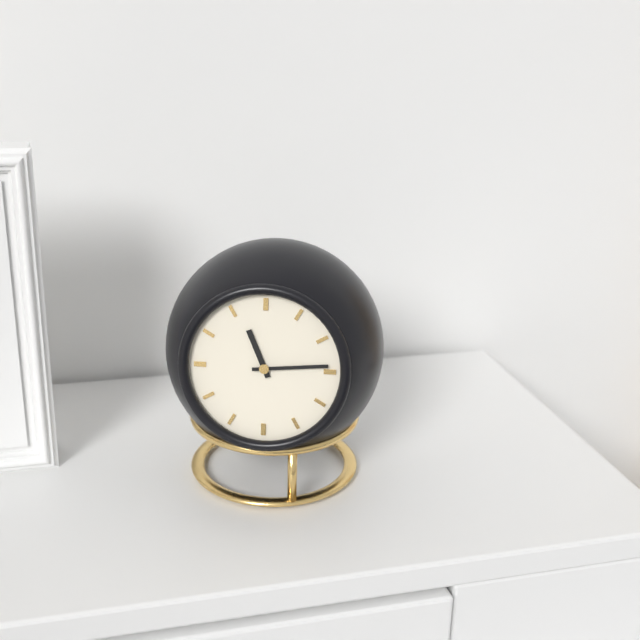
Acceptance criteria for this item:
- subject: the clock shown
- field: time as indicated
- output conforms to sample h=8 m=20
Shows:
h=11 m=14
